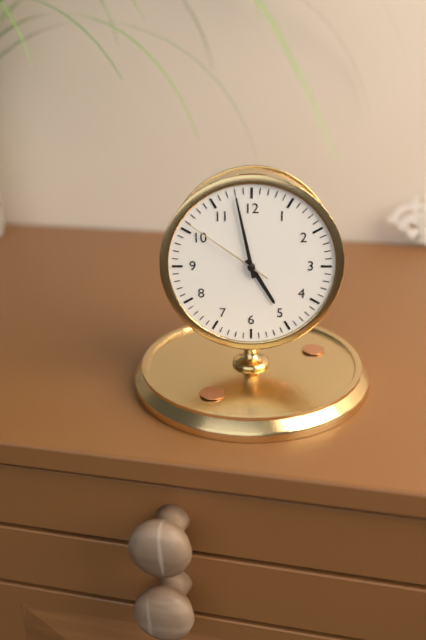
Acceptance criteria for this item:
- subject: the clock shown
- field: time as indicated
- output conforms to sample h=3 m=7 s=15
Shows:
h=4 m=58 s=51
